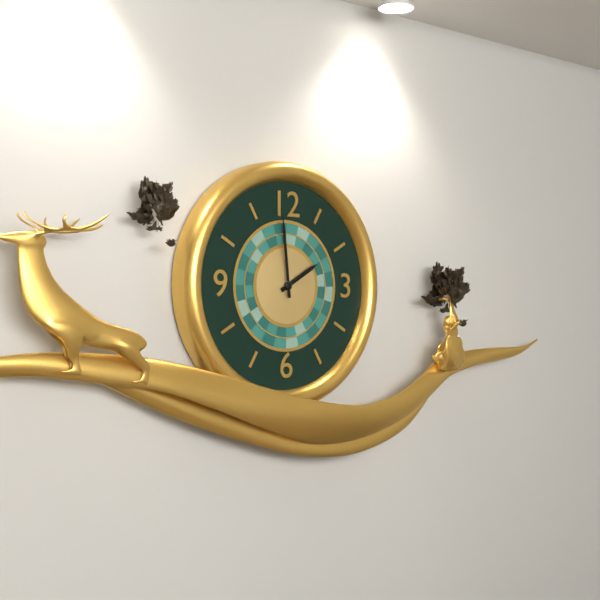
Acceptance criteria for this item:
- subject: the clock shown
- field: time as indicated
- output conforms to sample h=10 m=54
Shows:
h=1 m=59
